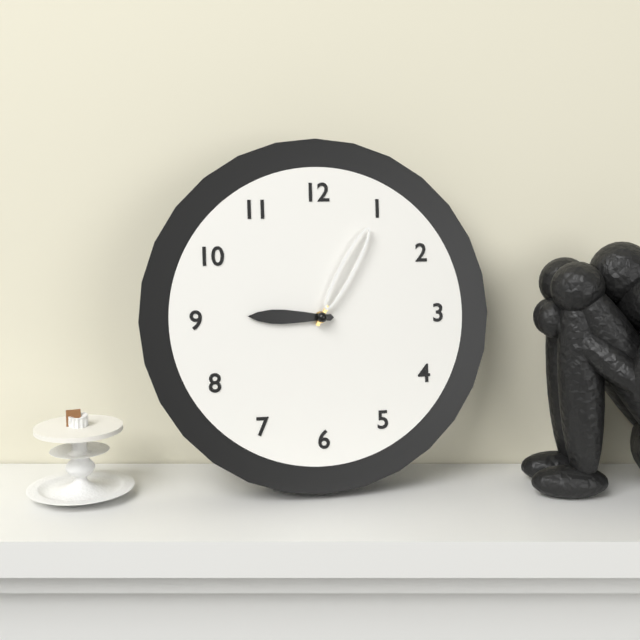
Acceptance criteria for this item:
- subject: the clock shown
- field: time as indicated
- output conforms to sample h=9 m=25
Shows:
h=9 m=5
